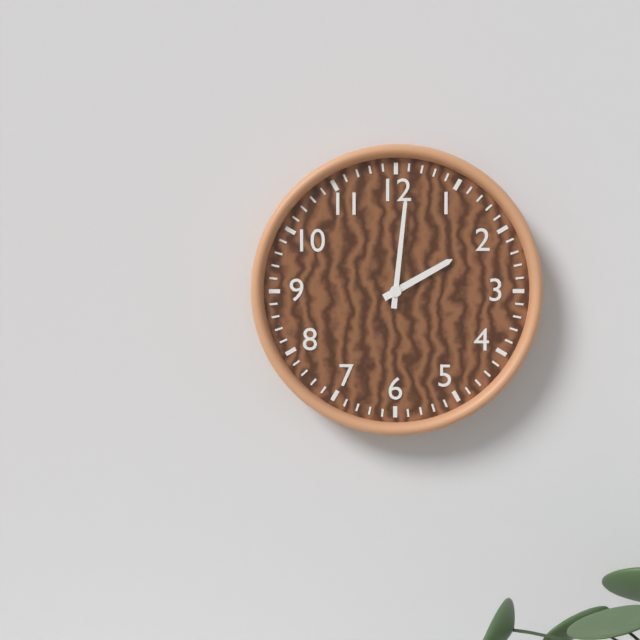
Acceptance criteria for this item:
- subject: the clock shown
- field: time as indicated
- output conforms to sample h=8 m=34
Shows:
h=2 m=1
